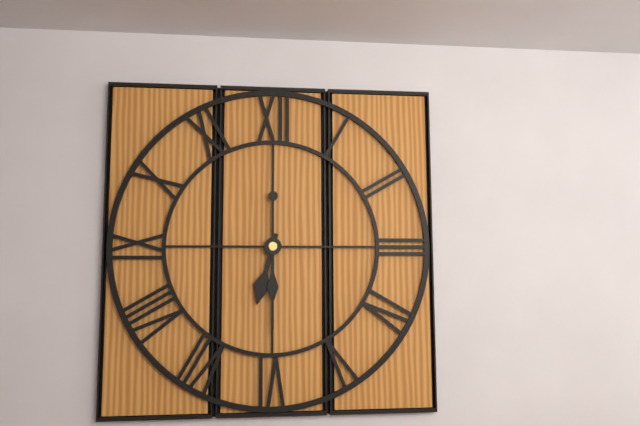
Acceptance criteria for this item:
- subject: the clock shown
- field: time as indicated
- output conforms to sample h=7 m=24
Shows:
h=6 m=30
